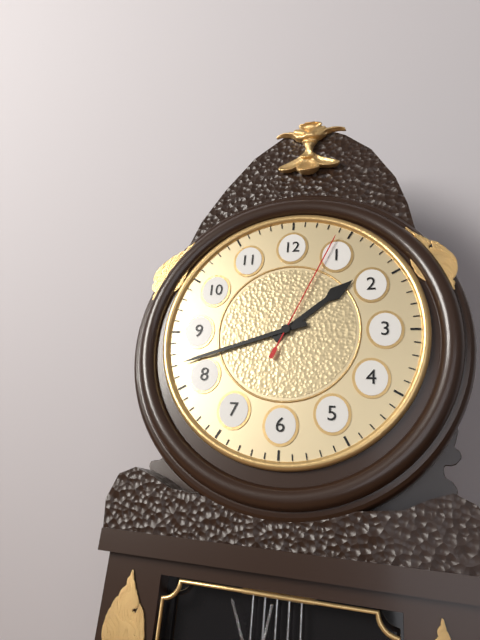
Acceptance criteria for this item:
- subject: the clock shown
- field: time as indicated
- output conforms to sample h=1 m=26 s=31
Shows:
h=1 m=42 s=4
